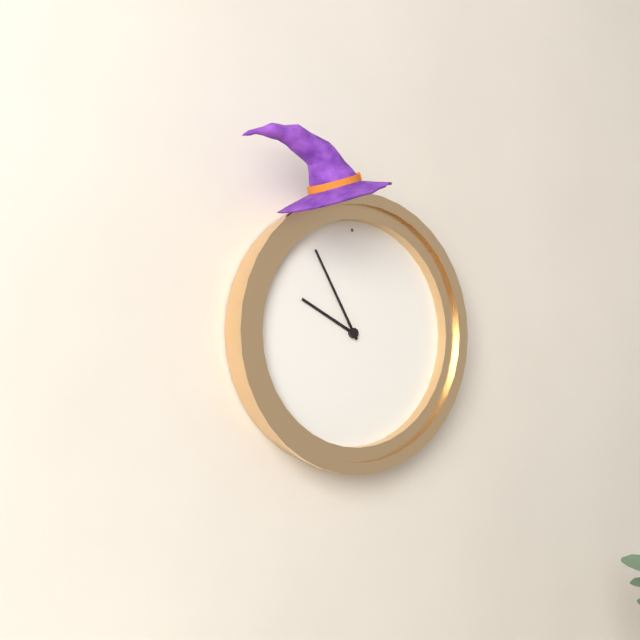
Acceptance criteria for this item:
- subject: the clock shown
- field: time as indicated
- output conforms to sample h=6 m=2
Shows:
h=9 m=55
